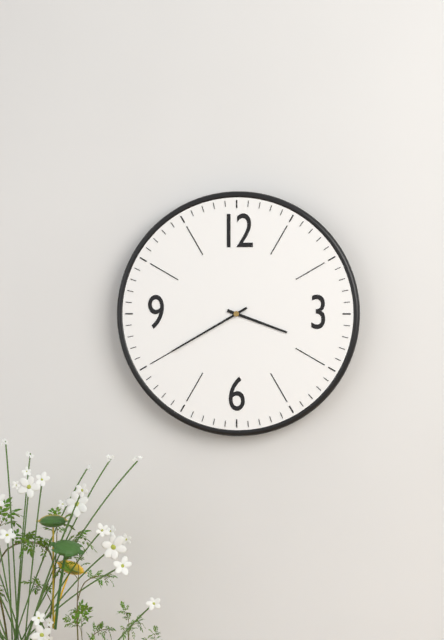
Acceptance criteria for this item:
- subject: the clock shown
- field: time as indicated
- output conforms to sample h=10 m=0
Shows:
h=3 m=40
